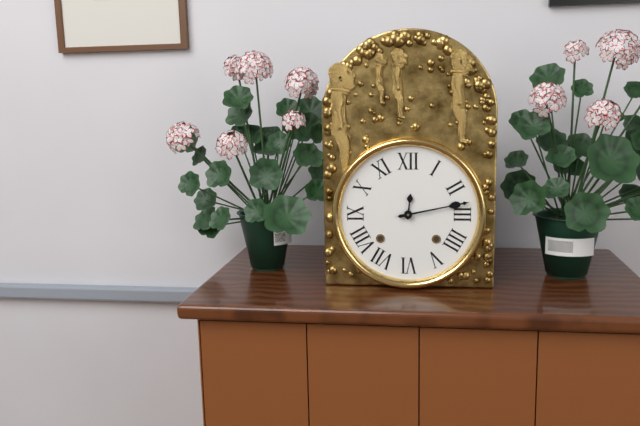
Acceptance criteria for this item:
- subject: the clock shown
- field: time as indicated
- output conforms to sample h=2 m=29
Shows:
h=12 m=13
